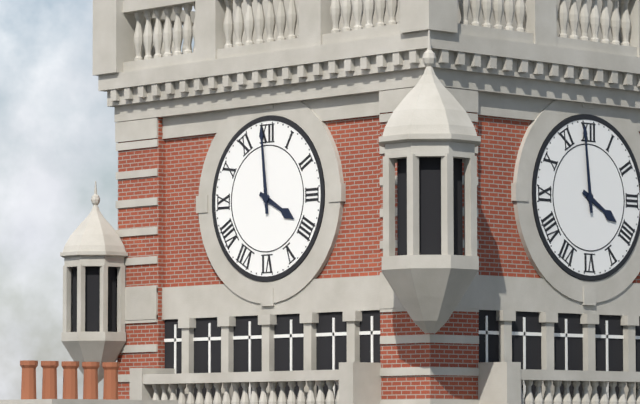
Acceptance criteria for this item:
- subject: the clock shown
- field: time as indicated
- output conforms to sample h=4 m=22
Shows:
h=3 m=59
